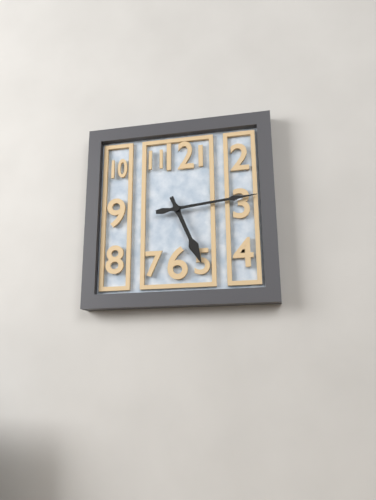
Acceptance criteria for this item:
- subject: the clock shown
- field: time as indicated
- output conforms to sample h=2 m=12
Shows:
h=5 m=14
